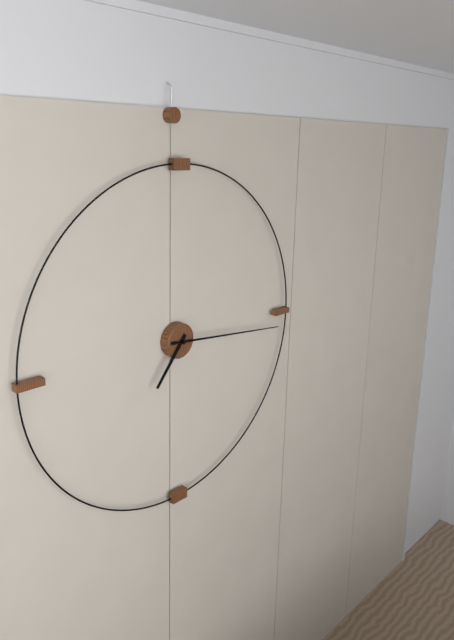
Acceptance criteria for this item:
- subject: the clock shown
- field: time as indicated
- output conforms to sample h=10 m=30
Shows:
h=7 m=16
